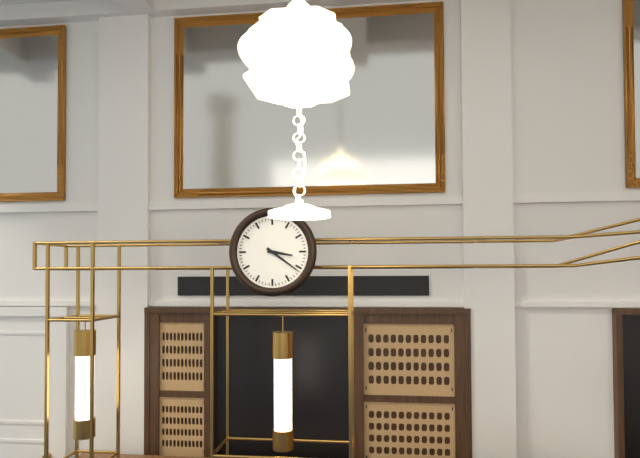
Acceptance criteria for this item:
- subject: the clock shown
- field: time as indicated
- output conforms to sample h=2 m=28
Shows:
h=3 m=21
